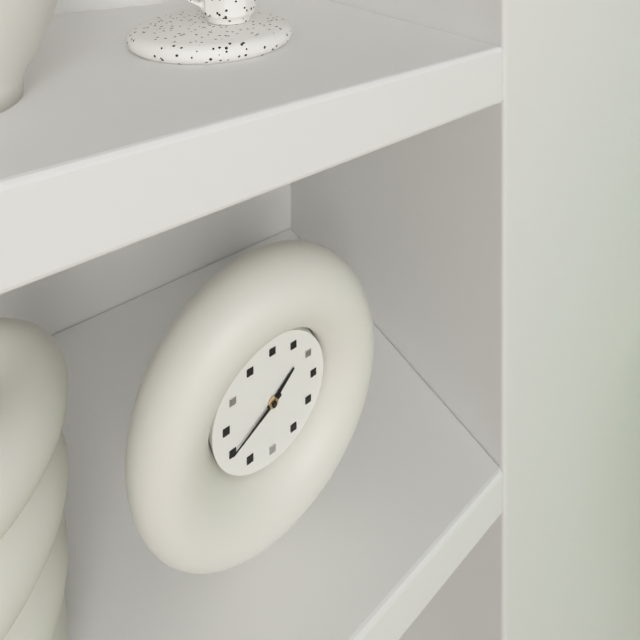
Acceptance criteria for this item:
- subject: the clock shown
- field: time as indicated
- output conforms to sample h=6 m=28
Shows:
h=1 m=40
